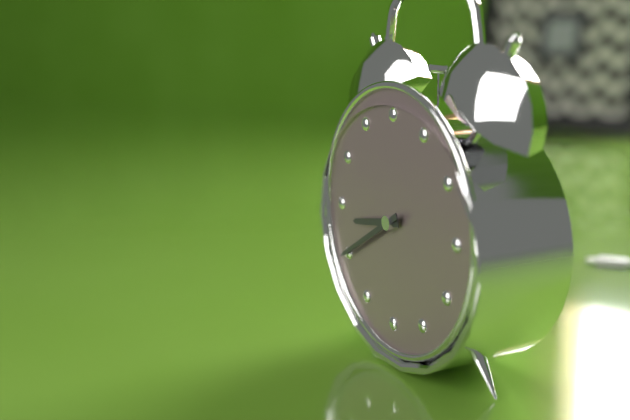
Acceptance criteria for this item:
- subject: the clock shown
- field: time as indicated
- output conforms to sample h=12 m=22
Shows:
h=8 m=40
